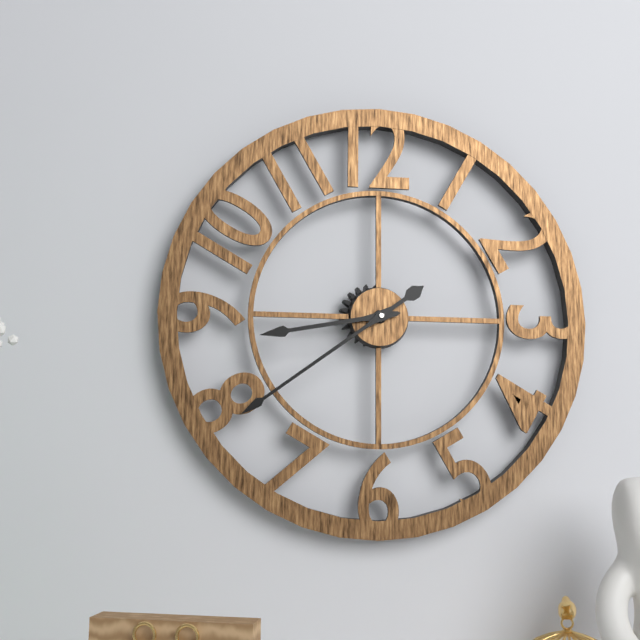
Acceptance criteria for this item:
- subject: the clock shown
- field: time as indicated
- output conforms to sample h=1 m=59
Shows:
h=8 m=39
